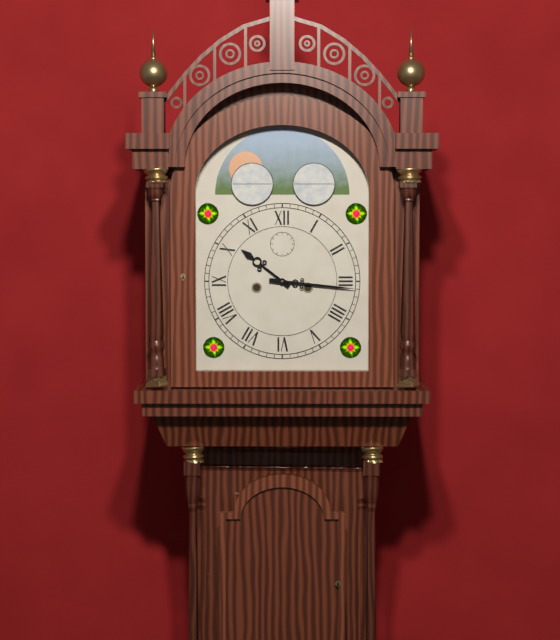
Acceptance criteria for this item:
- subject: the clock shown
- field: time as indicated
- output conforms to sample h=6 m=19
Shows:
h=10 m=16
